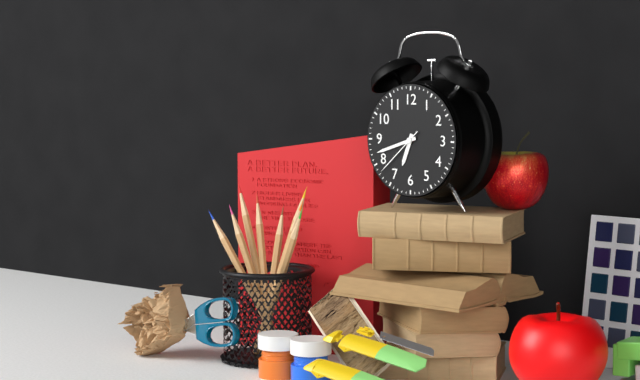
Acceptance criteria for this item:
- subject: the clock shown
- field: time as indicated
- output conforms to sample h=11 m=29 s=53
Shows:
h=6 m=42 s=38
